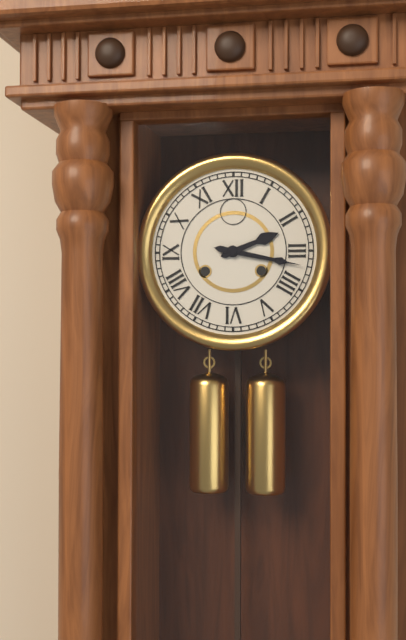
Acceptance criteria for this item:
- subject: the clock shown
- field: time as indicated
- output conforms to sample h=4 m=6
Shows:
h=2 m=17
